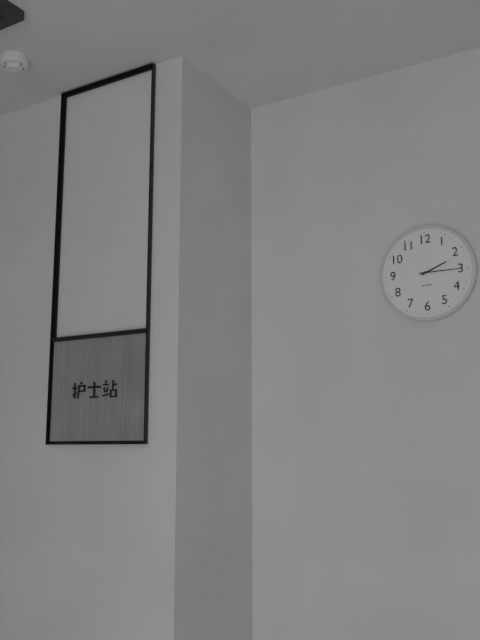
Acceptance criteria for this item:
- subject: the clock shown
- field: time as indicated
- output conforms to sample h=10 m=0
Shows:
h=2 m=15
